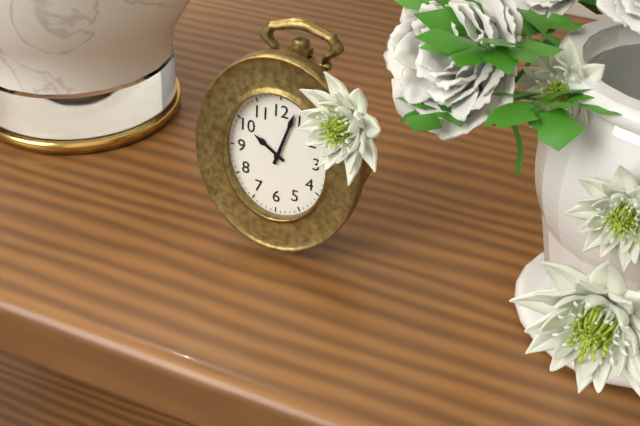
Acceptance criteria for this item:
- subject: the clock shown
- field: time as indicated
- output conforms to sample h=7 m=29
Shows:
h=10 m=3
